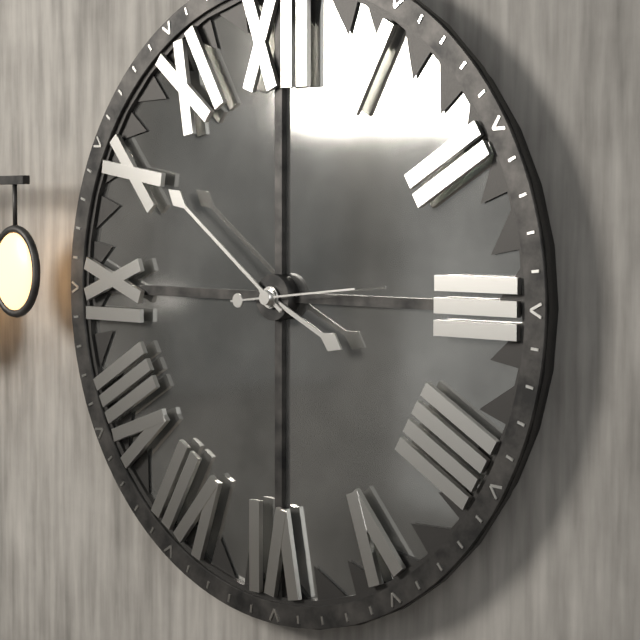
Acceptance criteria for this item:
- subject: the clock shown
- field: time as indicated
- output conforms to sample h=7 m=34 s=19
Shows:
h=3 m=51 s=14
